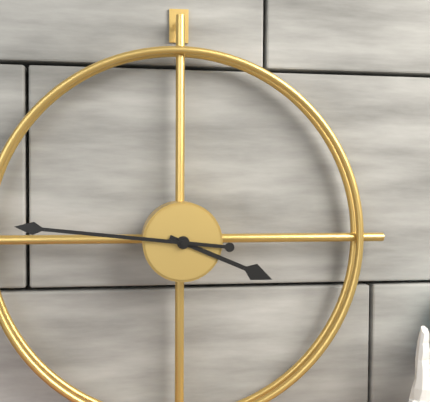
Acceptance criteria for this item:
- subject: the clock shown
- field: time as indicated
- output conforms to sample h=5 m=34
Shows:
h=3 m=46
